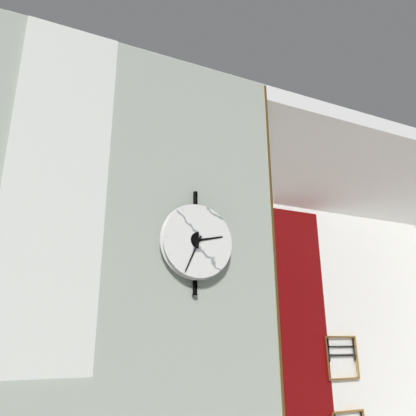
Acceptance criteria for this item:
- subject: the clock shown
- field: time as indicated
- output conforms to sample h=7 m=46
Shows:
h=2 m=34
